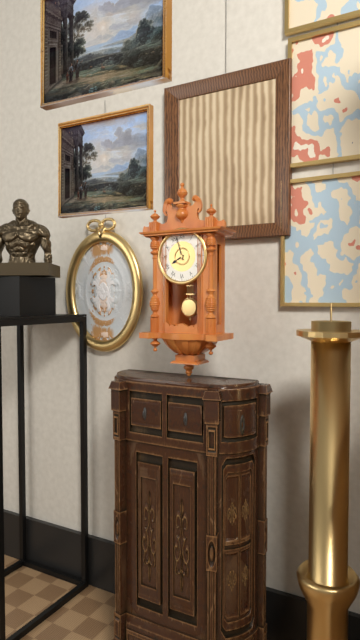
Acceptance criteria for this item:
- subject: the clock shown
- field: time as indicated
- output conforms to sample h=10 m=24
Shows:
h=7 m=57
